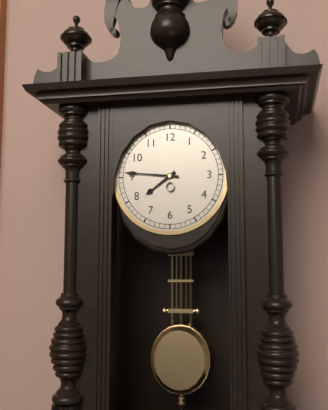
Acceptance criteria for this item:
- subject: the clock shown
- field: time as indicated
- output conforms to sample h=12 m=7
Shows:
h=7 m=46
